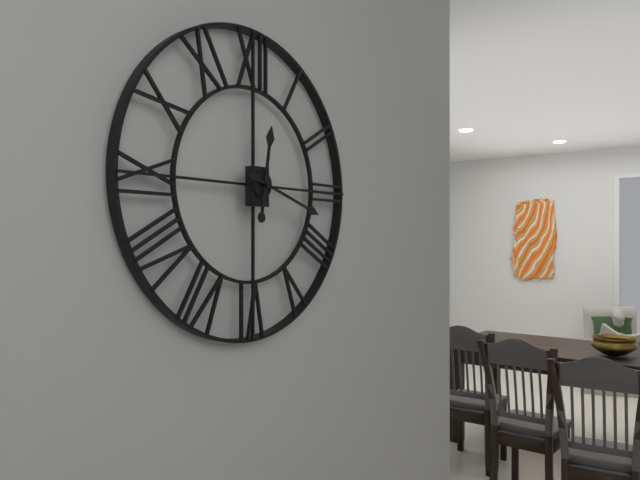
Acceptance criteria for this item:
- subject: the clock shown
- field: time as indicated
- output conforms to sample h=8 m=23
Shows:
h=12 m=18
